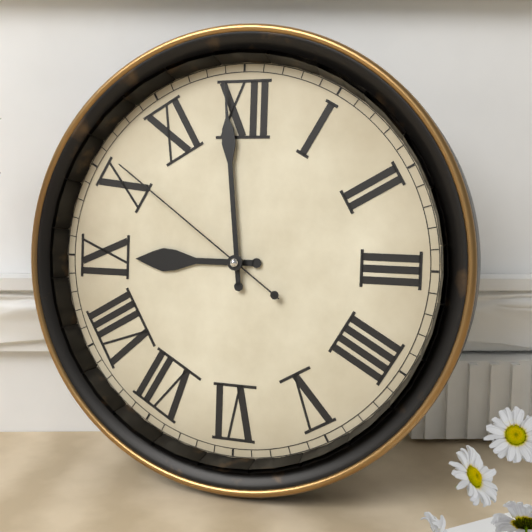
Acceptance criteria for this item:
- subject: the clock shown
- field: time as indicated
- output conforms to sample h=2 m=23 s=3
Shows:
h=8 m=59 s=51
